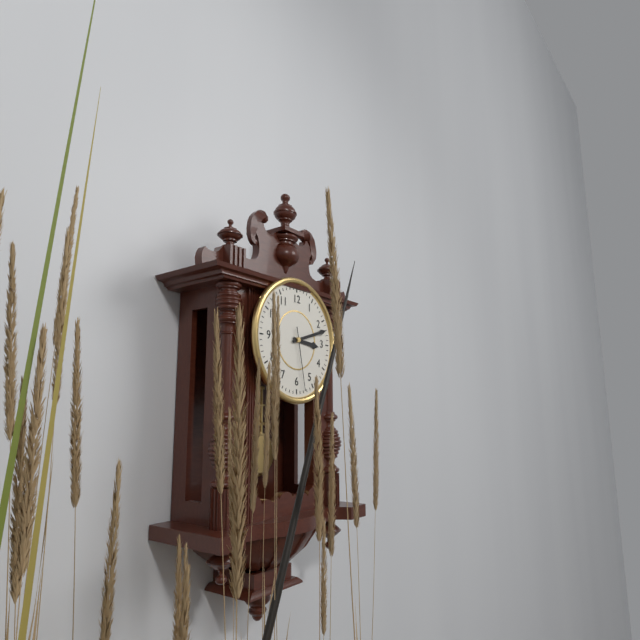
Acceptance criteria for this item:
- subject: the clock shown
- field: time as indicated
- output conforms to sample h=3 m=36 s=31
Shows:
h=3 m=12 s=28
